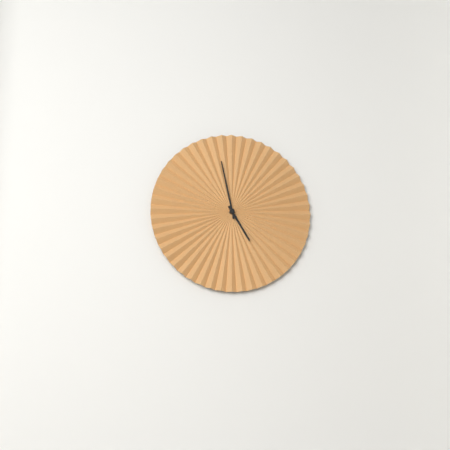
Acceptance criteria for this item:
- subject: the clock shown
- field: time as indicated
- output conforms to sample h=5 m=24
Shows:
h=4 m=58
